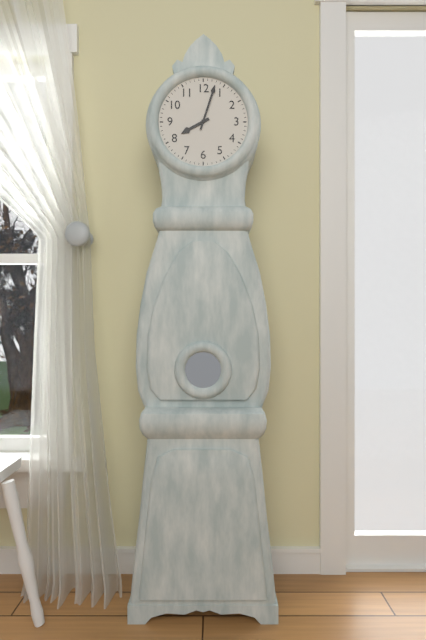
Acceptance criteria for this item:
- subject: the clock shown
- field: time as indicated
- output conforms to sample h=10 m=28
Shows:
h=8 m=3
